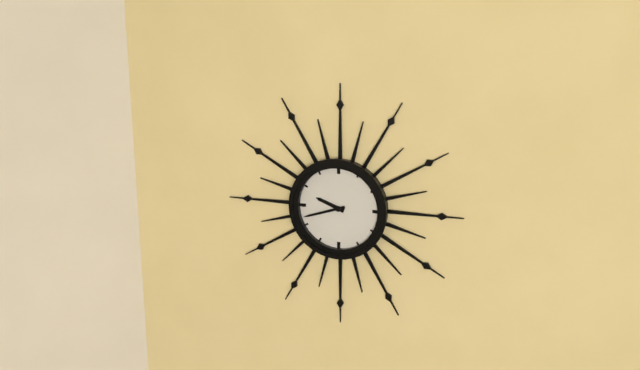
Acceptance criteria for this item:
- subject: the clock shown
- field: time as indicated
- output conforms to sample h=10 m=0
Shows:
h=9 m=42
